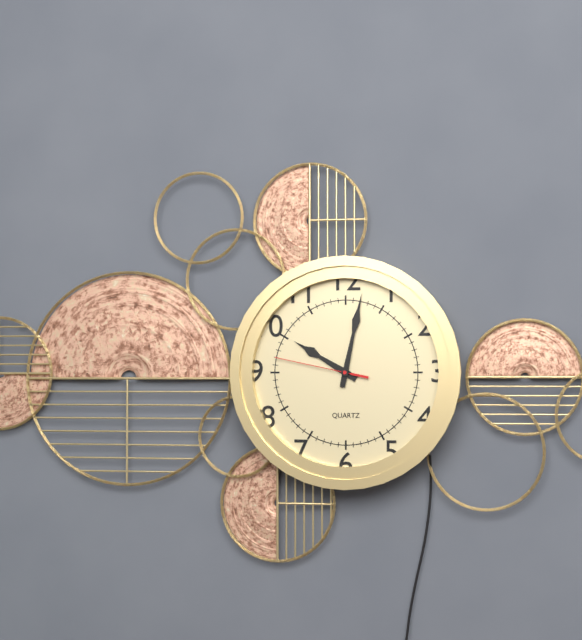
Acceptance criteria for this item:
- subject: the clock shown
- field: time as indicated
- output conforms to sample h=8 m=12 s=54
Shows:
h=10 m=2 s=47
